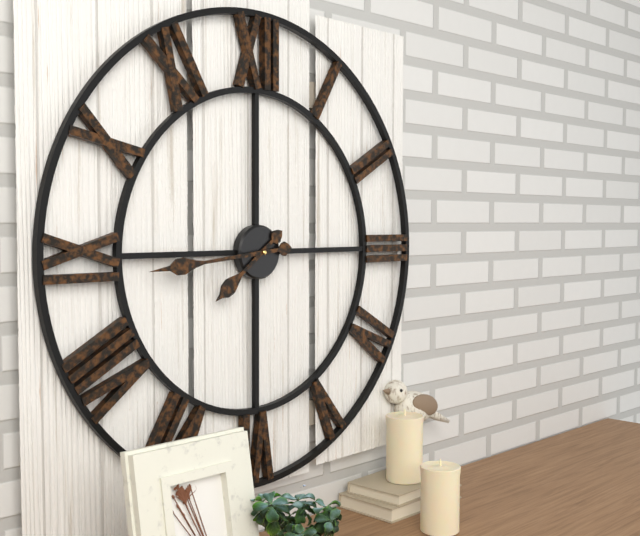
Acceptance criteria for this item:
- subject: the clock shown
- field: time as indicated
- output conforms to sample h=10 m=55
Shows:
h=7 m=44
